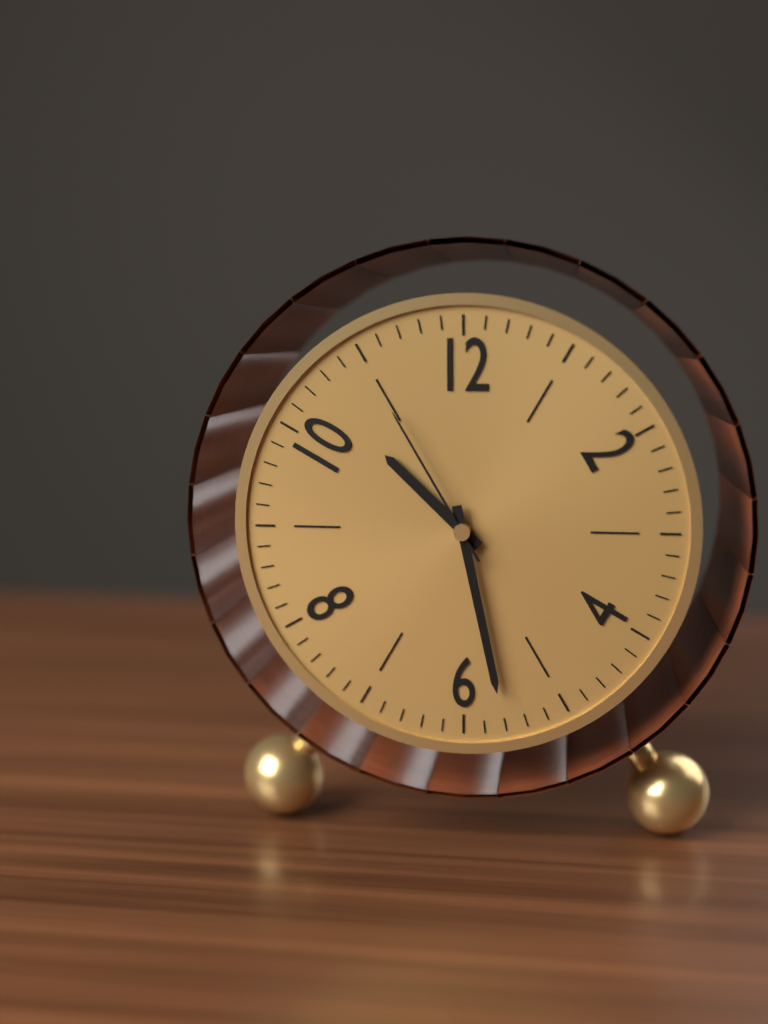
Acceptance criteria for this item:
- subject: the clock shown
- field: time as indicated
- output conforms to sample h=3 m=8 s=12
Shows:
h=10 m=28 s=55
